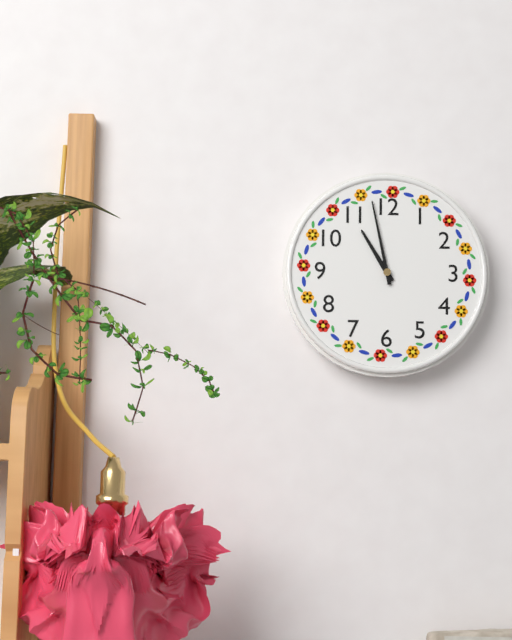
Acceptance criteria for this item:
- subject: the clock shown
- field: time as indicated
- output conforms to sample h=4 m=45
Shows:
h=10 m=58
